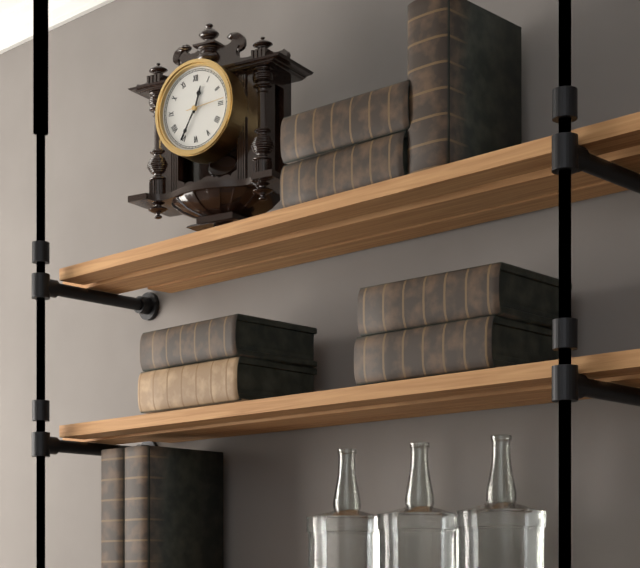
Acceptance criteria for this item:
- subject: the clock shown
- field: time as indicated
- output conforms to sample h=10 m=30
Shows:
h=12 m=35
